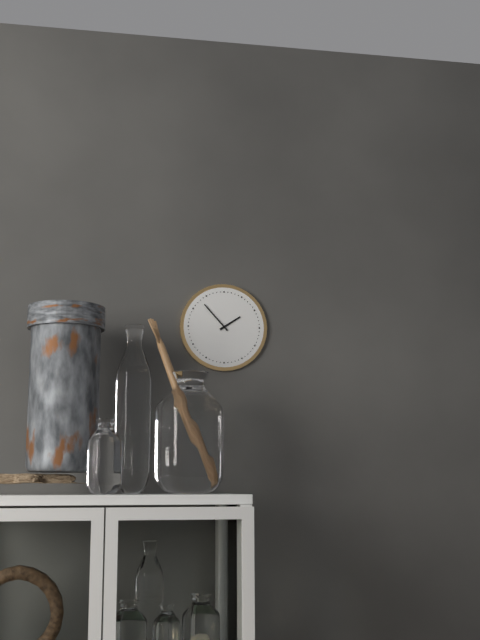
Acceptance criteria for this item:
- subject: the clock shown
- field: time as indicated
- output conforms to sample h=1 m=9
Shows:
h=1 m=53
